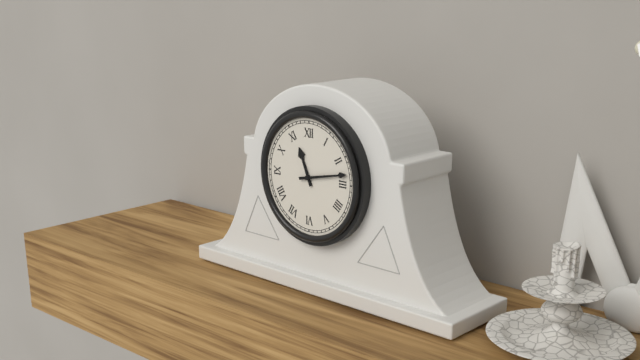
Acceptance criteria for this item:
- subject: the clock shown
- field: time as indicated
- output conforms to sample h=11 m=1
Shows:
h=11 m=13
